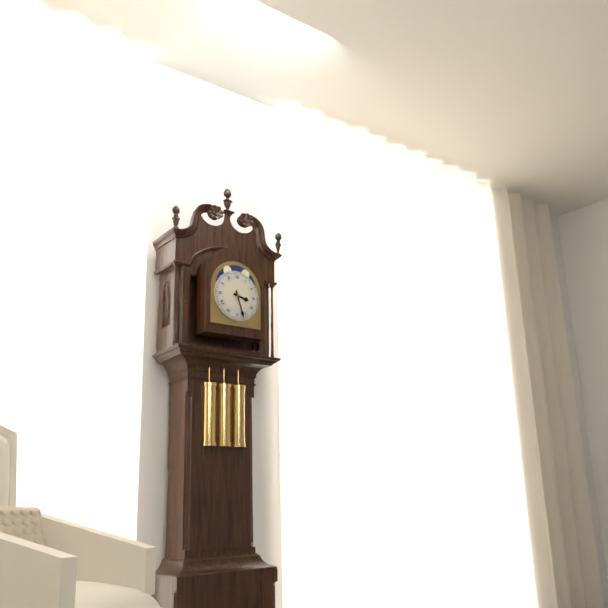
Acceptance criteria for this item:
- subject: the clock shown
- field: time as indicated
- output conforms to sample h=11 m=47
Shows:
h=3 m=27
